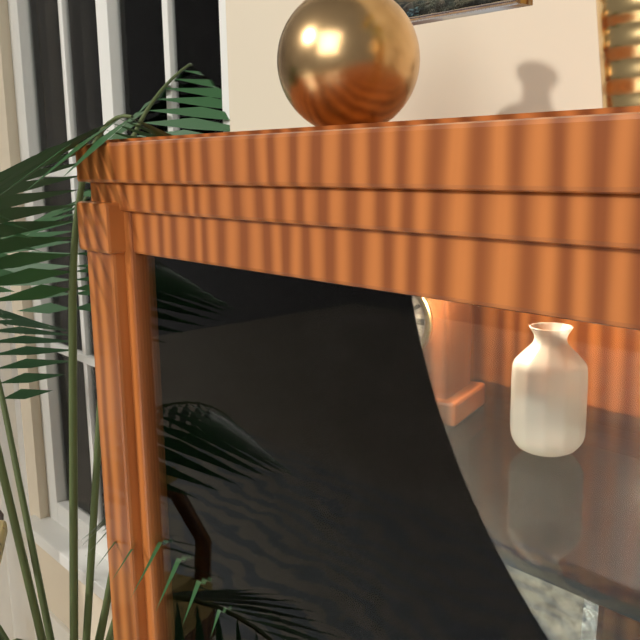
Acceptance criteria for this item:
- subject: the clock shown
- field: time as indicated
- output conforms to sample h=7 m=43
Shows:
h=1 m=3
